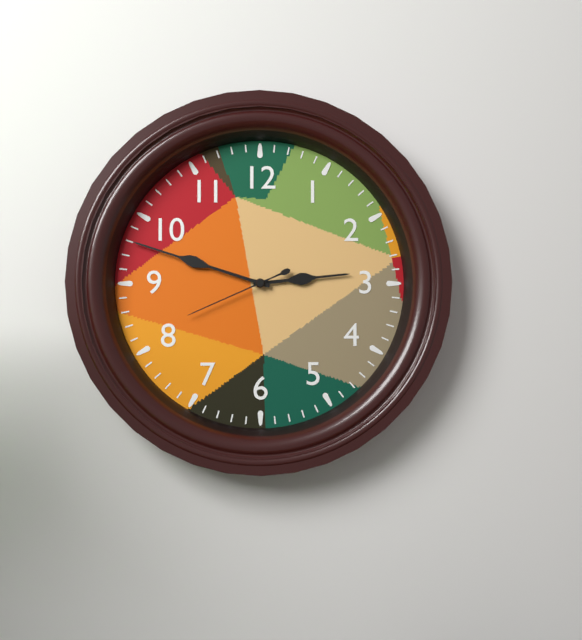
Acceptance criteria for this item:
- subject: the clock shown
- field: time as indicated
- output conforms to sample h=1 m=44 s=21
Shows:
h=2 m=48 s=41
